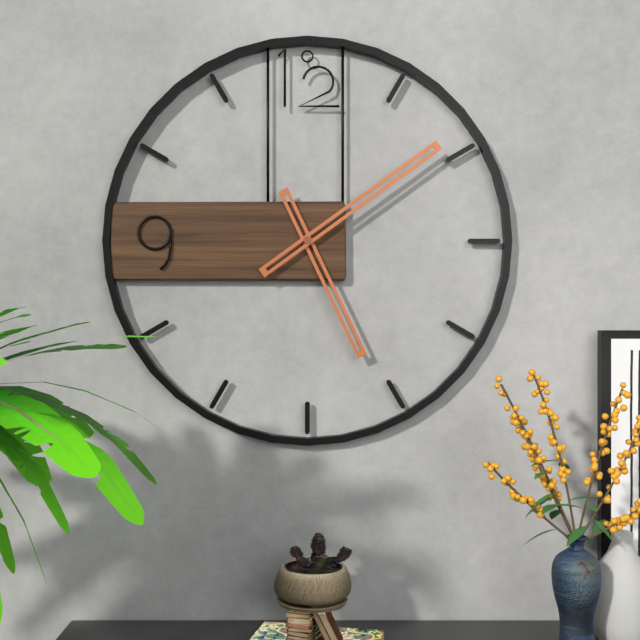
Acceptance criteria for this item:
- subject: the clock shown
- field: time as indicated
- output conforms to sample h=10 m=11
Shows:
h=5 m=9
